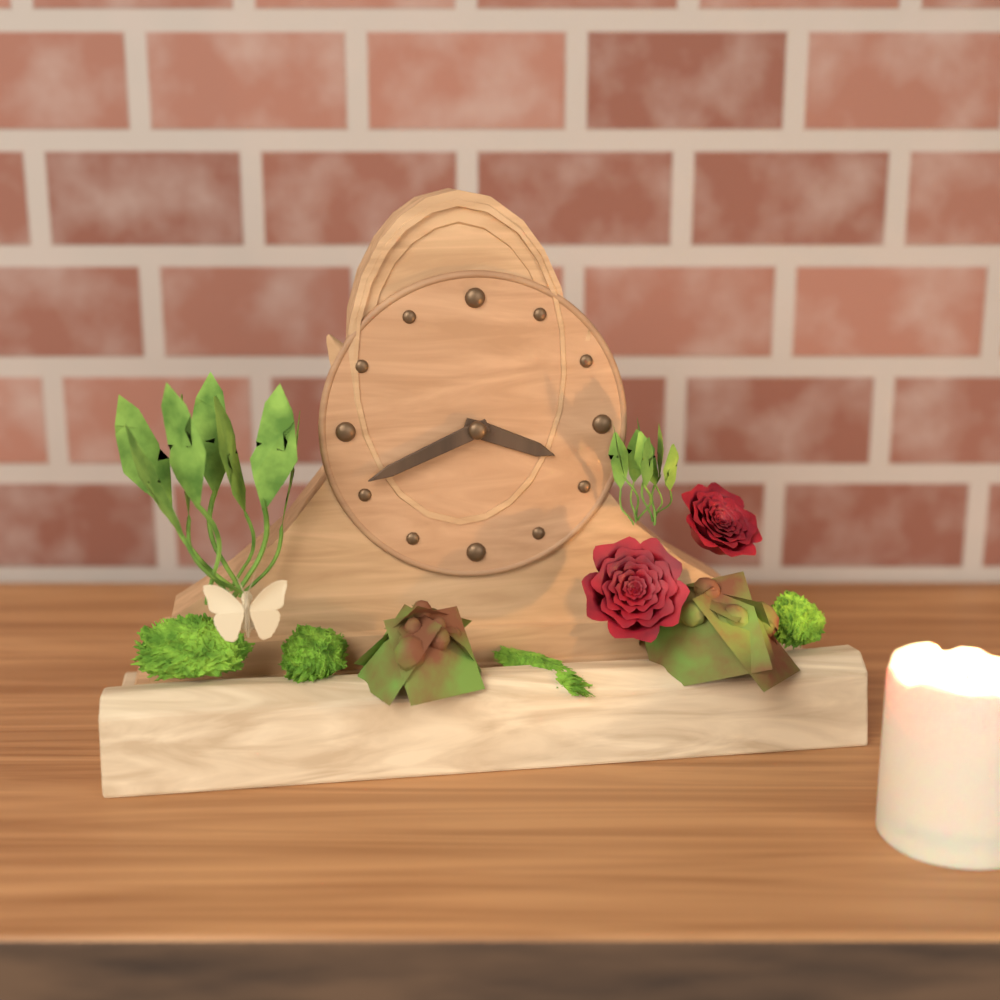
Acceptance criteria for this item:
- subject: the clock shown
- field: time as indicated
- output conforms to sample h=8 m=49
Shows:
h=3 m=41
